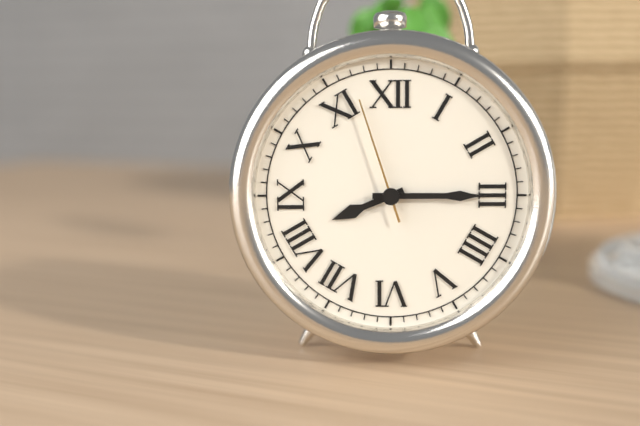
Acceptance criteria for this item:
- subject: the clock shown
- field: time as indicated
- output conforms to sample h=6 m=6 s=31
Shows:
h=8 m=15 s=57
